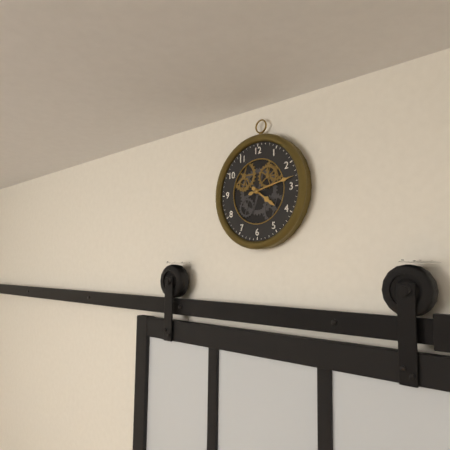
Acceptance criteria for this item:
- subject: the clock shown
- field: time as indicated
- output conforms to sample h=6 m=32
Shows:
h=4 m=13
